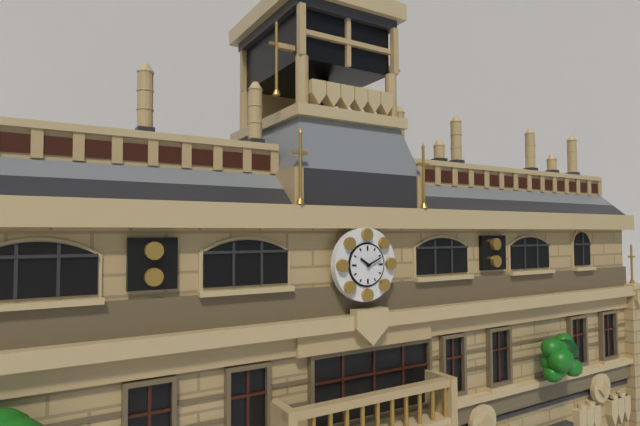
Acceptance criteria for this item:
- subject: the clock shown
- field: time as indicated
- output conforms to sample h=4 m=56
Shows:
h=10 m=11
